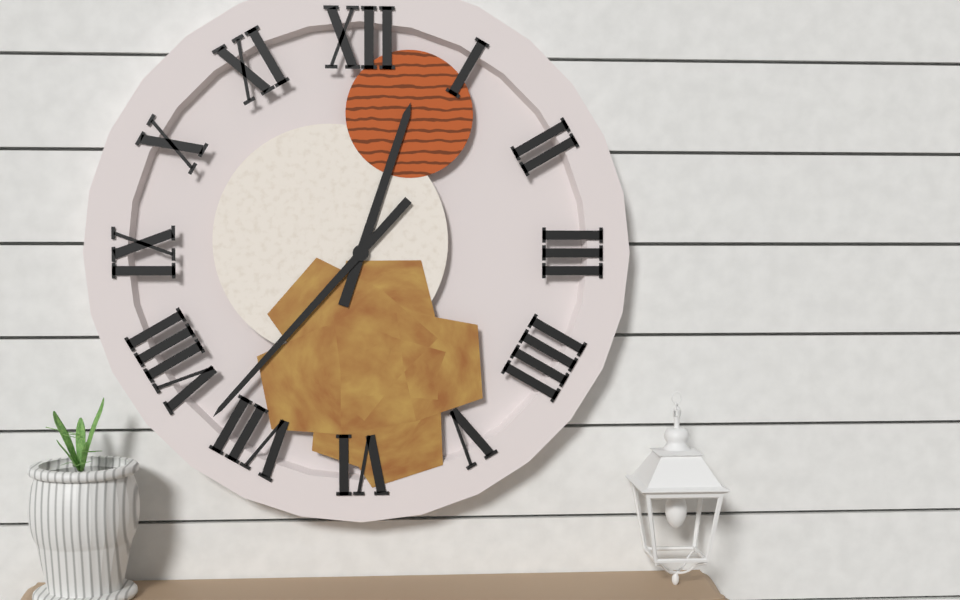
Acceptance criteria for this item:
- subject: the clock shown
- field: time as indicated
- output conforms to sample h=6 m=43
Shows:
h=12 m=37
